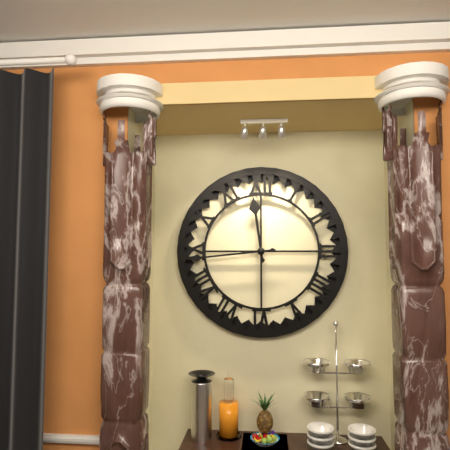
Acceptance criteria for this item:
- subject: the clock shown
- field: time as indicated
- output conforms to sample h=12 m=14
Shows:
h=11 m=44
